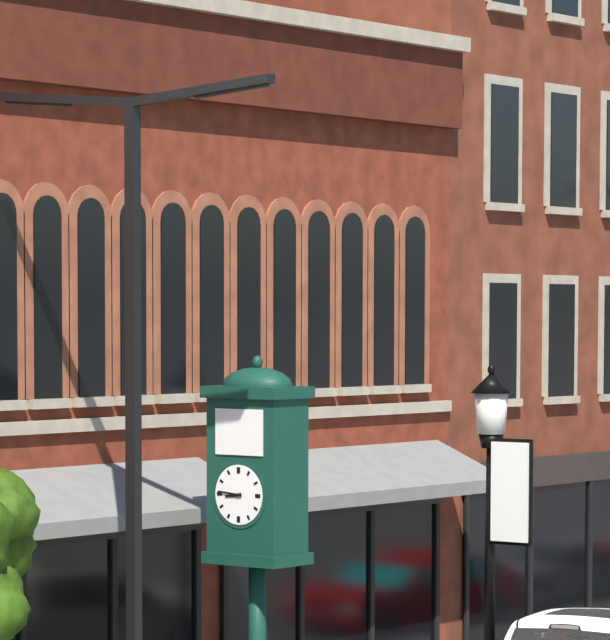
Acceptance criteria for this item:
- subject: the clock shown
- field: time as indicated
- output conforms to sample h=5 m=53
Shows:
h=8 m=46
